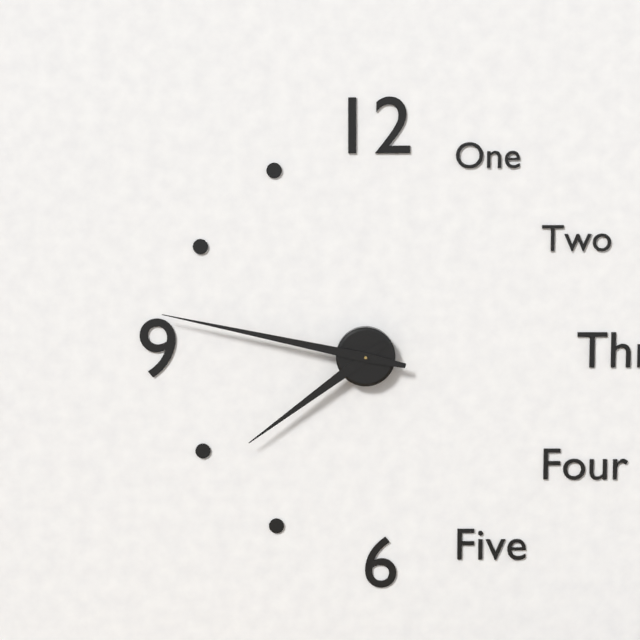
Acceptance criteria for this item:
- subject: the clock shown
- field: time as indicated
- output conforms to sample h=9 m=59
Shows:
h=7 m=47
